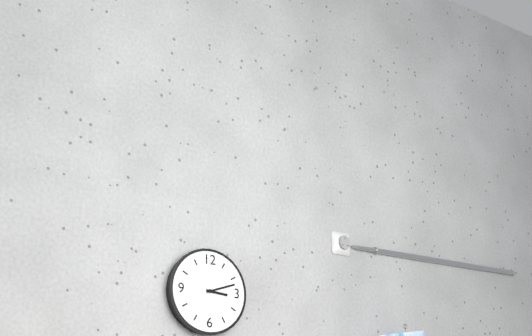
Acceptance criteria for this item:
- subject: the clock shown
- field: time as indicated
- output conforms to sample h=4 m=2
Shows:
h=3 m=12
